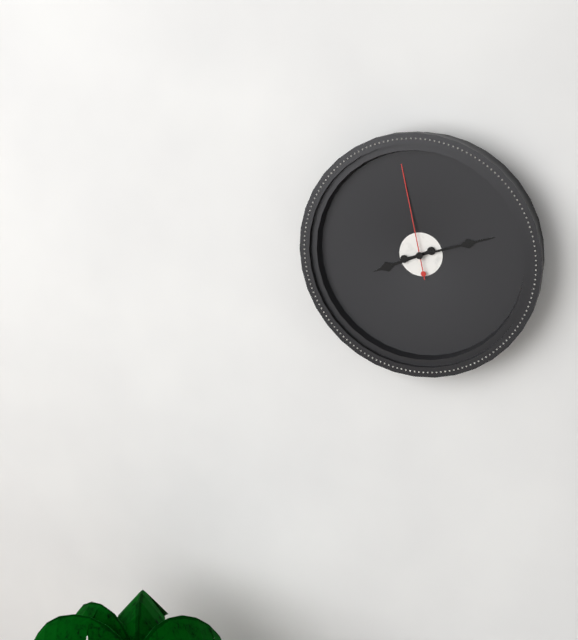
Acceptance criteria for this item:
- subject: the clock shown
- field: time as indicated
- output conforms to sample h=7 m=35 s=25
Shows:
h=8 m=12 s=58
